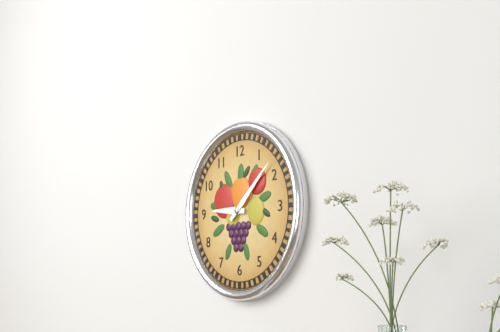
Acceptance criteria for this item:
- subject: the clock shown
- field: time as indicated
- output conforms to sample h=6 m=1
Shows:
h=9 m=8
